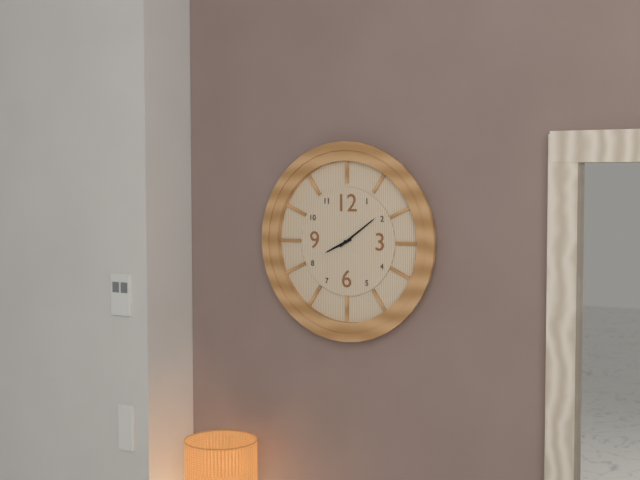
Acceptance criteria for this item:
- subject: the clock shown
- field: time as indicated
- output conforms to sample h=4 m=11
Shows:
h=8 m=9
